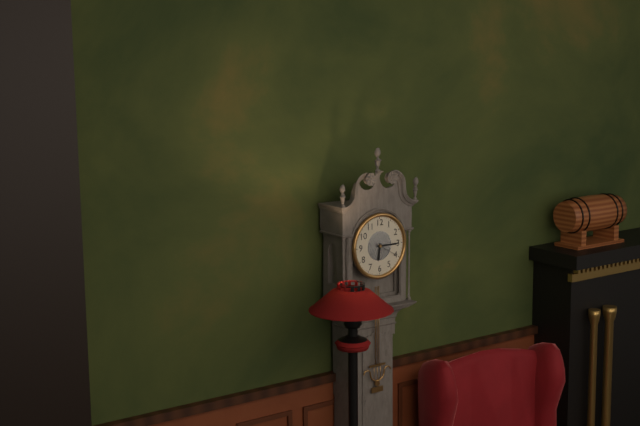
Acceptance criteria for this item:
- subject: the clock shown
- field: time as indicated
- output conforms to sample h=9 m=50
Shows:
h=6 m=15
